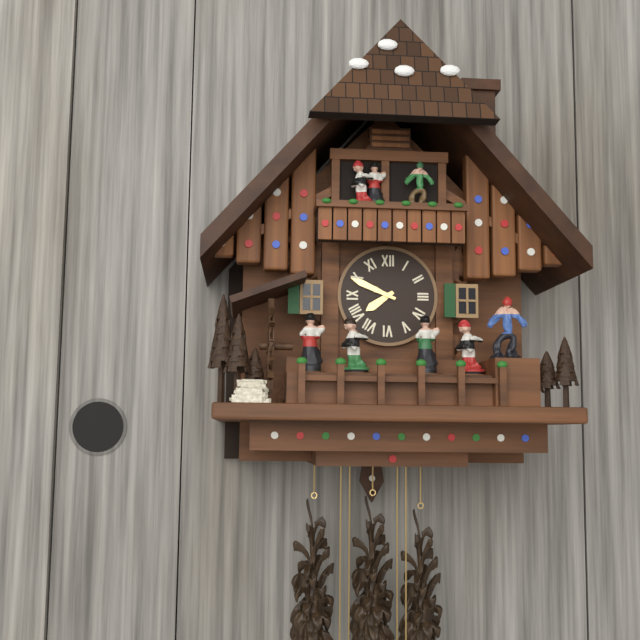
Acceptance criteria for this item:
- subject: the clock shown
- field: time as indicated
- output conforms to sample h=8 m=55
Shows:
h=7 m=49
